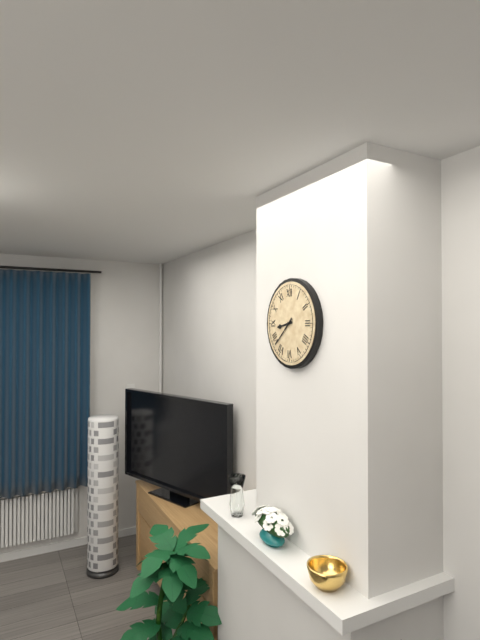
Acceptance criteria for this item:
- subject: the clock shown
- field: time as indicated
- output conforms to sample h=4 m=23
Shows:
h=8 m=38
